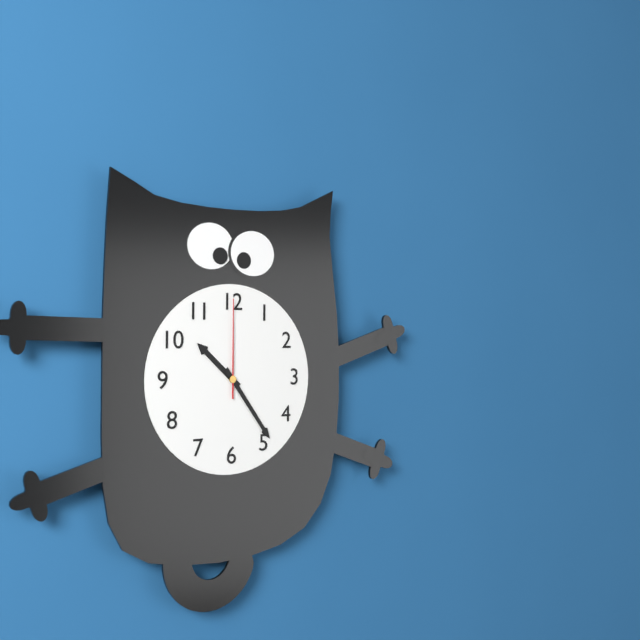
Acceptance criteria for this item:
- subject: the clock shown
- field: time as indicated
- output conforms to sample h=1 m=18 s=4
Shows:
h=10 m=24 s=0
